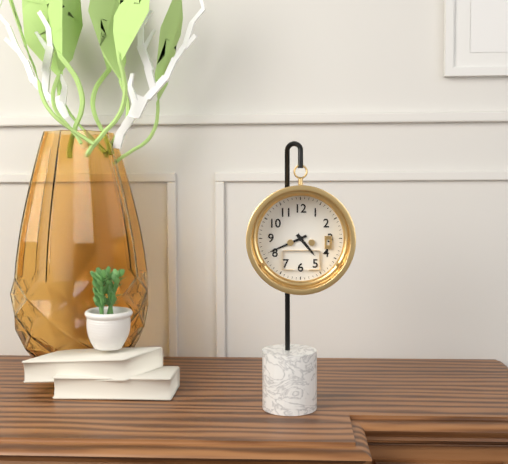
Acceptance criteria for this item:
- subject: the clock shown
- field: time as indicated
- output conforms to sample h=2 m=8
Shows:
h=4 m=41
